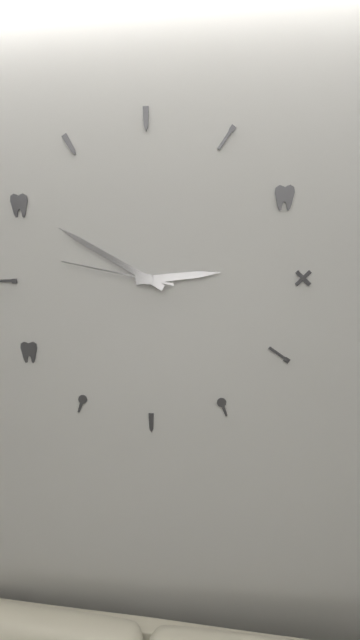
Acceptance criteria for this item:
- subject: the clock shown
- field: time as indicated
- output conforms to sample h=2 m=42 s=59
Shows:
h=2 m=50 s=47
